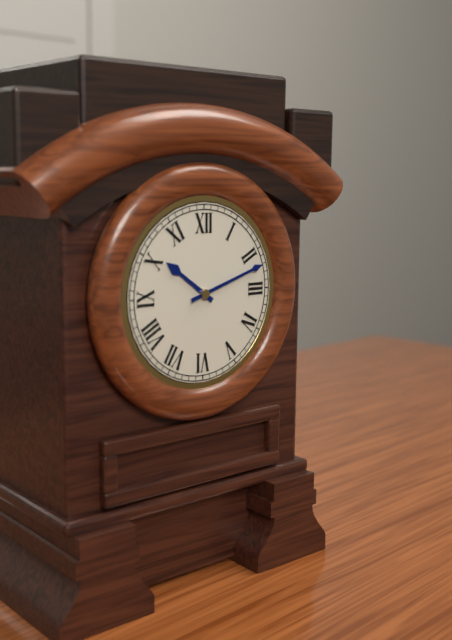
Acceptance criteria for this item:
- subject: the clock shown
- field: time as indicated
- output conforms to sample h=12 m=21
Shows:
h=10 m=12
